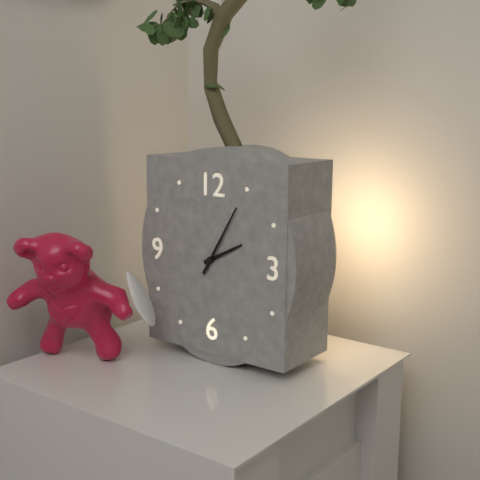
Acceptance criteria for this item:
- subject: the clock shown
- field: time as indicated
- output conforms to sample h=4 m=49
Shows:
h=2 m=5
